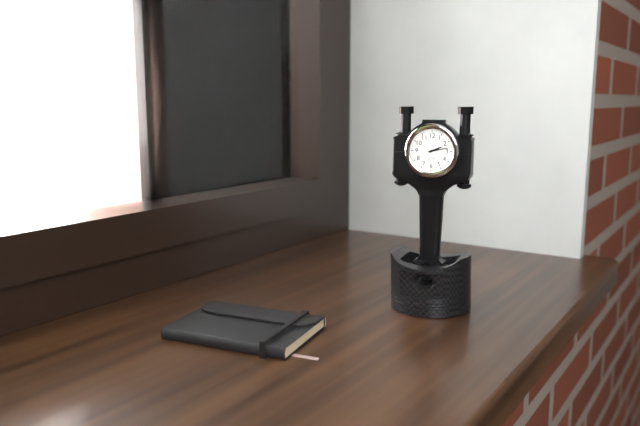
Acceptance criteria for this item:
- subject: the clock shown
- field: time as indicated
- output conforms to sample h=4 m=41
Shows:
h=2 m=13
